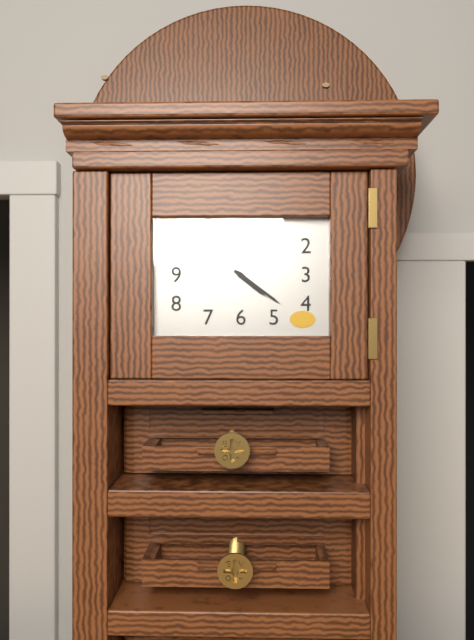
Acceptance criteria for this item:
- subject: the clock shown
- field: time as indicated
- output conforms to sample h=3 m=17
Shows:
h=4 m=21
